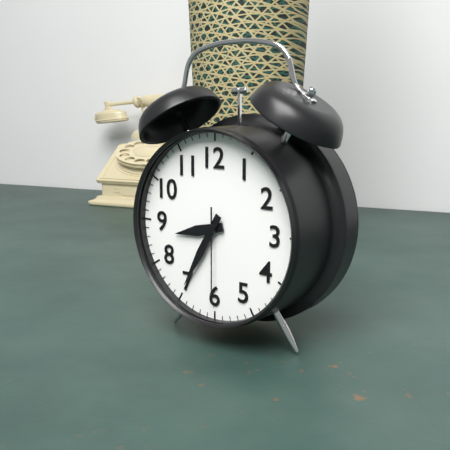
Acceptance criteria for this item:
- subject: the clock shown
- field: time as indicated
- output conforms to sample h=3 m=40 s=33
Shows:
h=8 m=35 s=30
